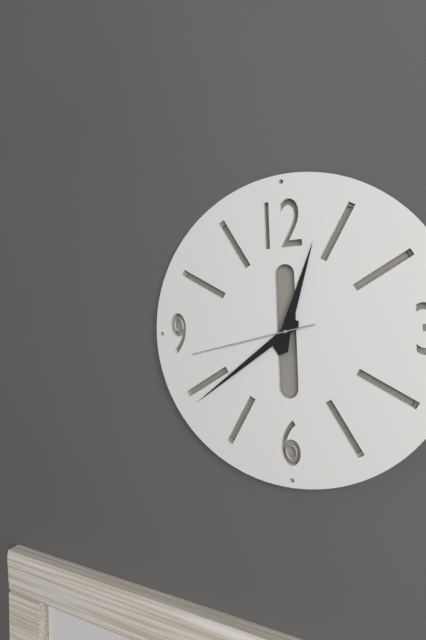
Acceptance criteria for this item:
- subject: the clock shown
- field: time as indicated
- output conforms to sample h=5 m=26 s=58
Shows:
h=12 m=39 s=43
